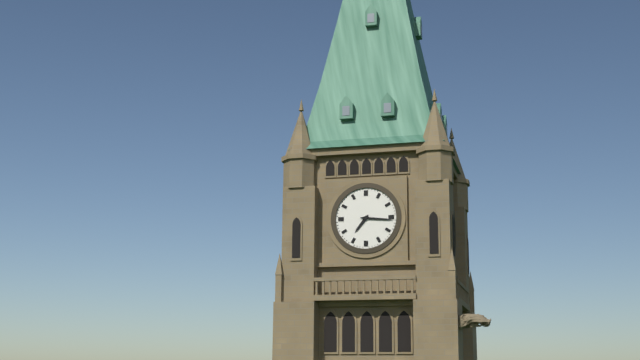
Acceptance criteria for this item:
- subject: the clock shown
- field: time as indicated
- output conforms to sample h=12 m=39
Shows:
h=7 m=16
